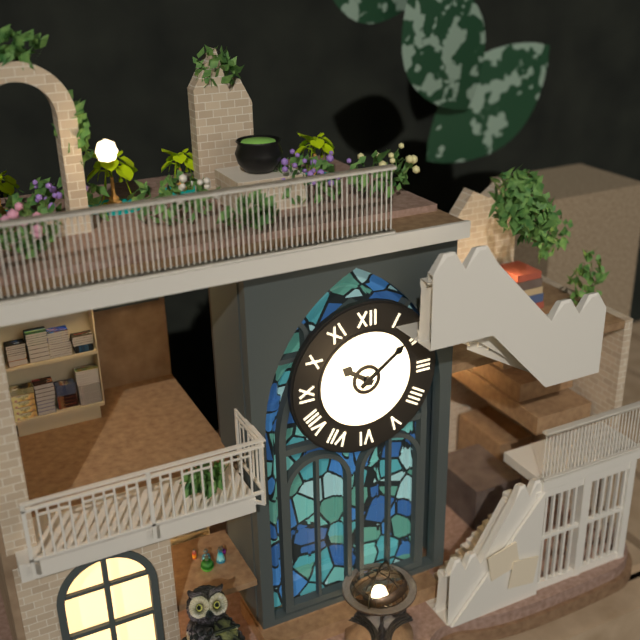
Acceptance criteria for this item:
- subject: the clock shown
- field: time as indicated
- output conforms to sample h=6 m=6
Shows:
h=10 m=9
